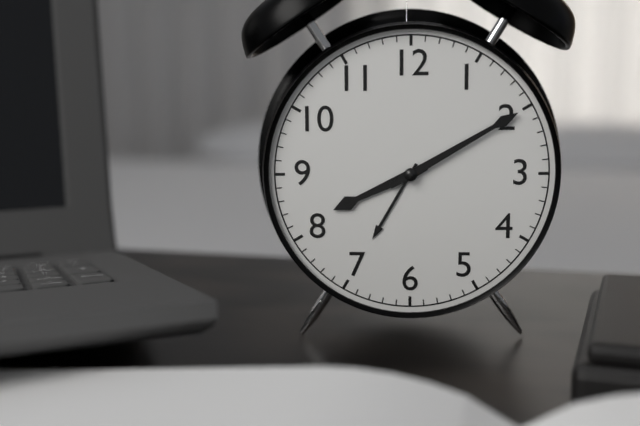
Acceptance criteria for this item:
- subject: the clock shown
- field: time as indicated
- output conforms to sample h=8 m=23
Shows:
h=8 m=10
